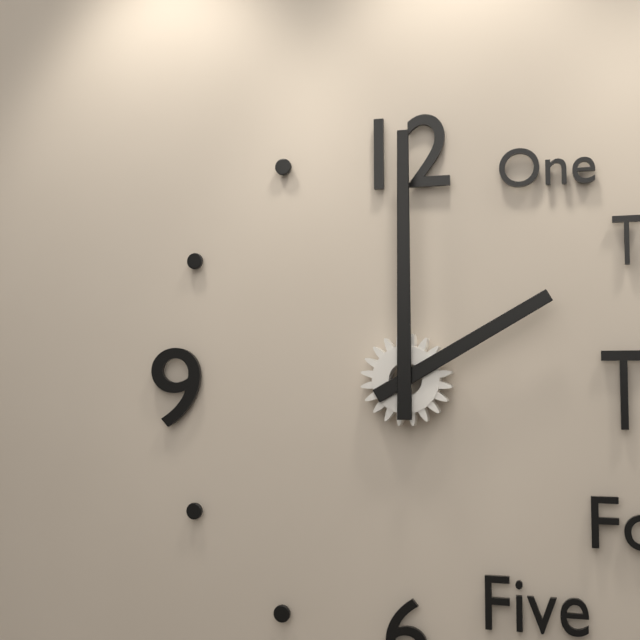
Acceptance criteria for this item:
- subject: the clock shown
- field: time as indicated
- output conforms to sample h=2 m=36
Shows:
h=2 m=0
